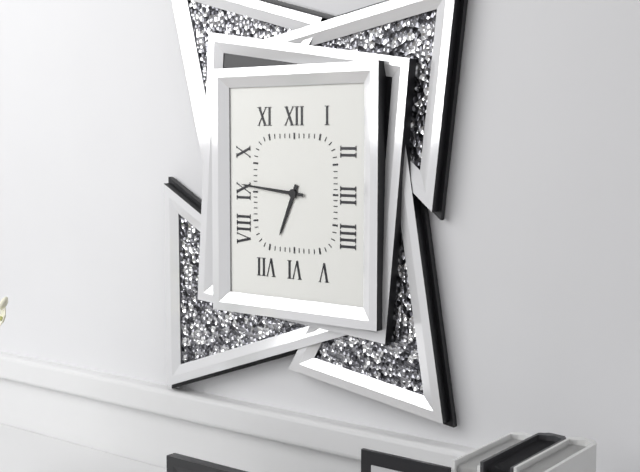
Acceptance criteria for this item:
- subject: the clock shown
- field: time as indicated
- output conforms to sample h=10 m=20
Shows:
h=6 m=46
